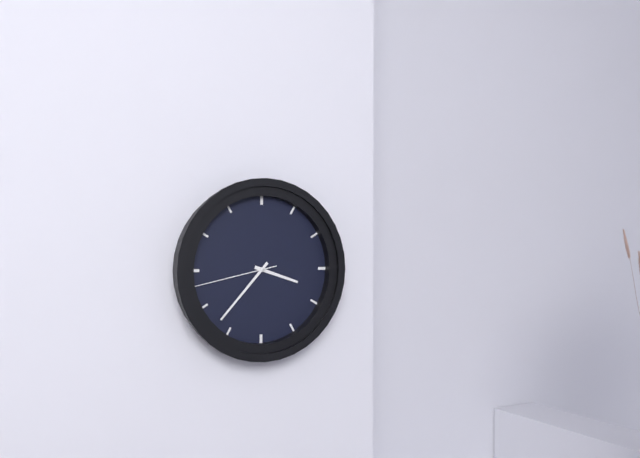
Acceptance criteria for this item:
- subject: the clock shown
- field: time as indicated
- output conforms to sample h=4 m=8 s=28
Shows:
h=3 m=37 s=43
